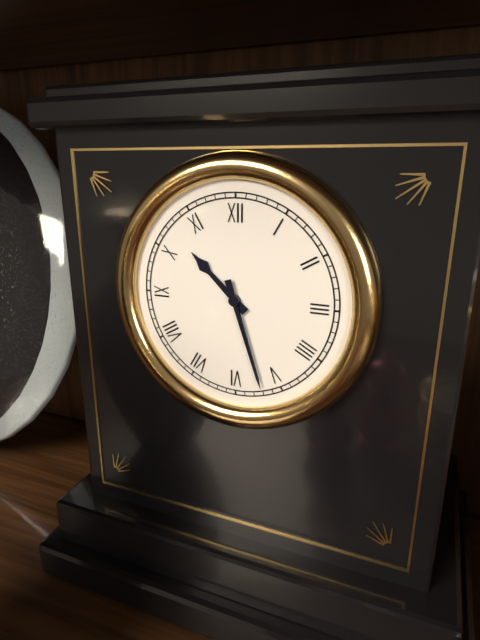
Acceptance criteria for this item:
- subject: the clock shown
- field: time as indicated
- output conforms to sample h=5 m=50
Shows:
h=10 m=27
